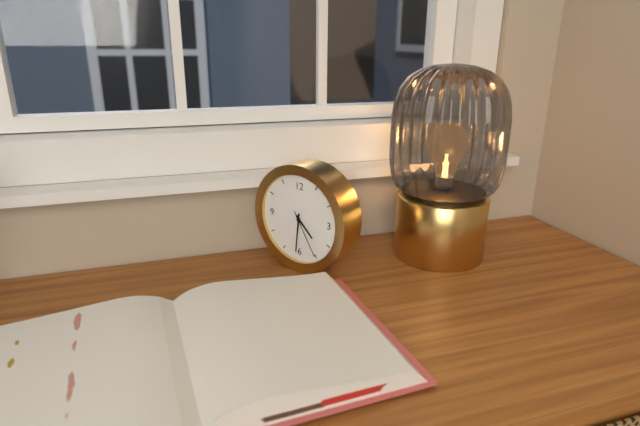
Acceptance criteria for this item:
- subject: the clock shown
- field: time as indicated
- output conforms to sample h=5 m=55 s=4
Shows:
h=4 m=31 s=25
